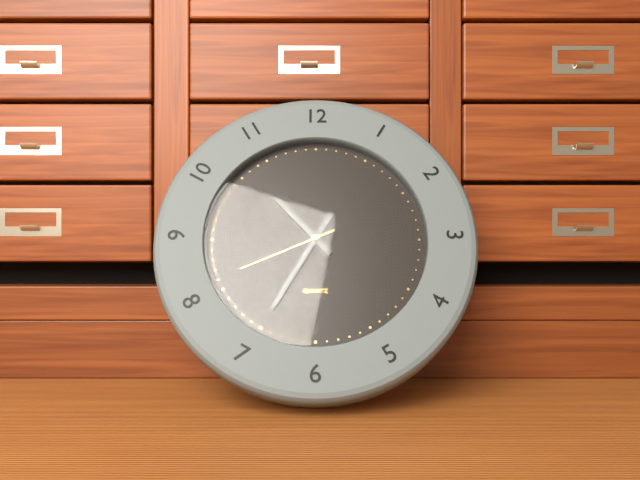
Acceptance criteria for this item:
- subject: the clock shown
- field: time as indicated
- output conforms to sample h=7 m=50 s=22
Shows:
h=10 m=35 s=41
